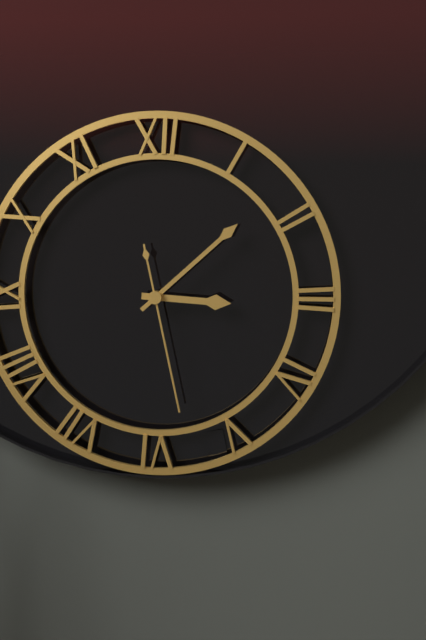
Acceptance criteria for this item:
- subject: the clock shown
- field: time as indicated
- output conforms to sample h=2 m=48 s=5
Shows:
h=3 m=8 s=28
